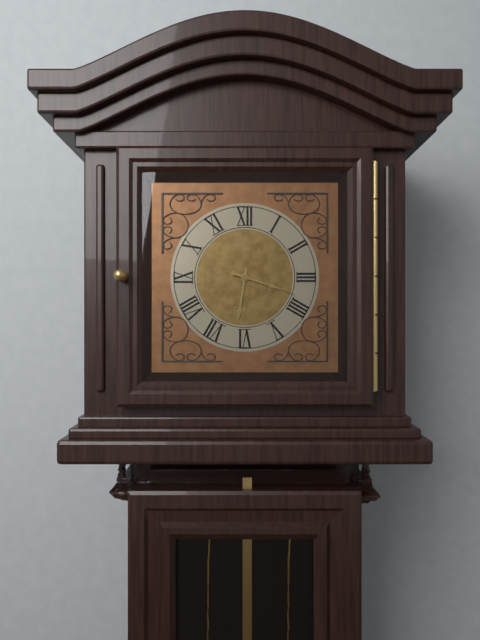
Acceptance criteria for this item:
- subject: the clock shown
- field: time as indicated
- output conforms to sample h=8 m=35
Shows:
h=6 m=18
